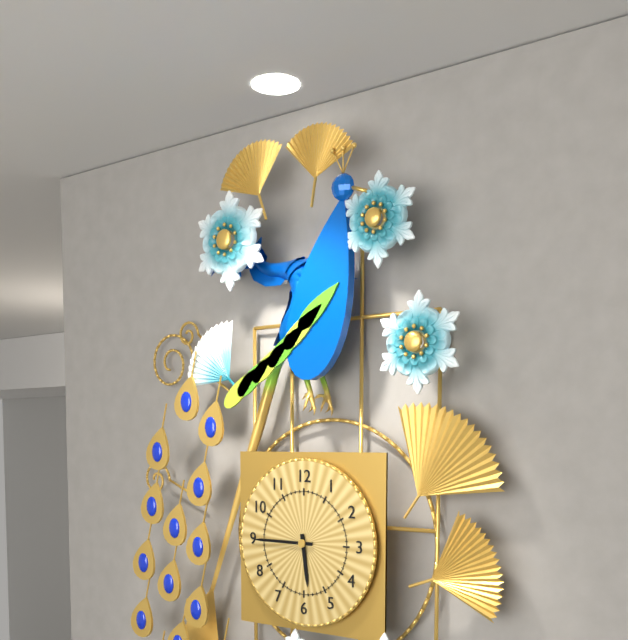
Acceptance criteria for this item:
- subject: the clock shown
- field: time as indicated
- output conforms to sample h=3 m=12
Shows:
h=5 m=45
